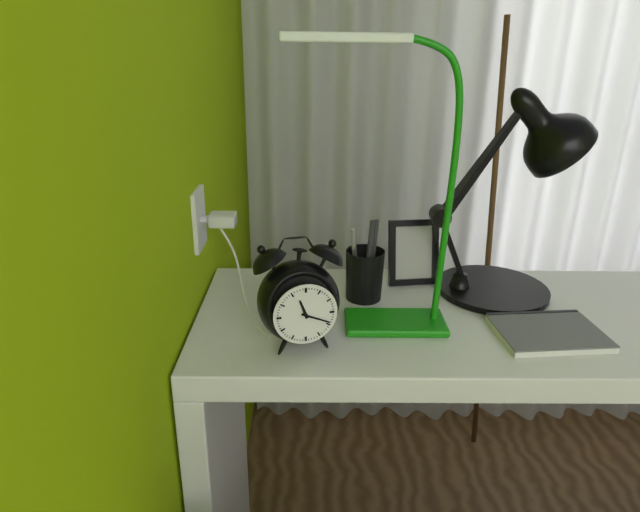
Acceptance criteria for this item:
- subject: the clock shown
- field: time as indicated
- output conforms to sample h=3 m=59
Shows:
h=11 m=19
